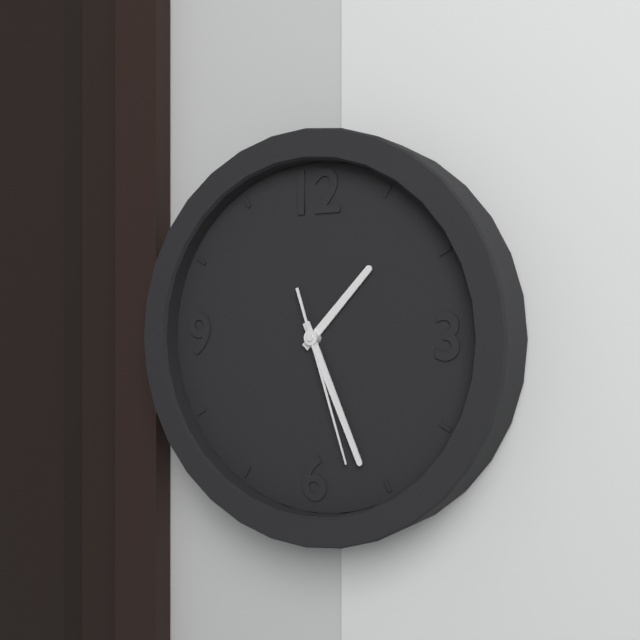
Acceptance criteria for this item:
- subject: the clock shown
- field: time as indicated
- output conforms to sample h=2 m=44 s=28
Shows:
h=1 m=26 s=27
